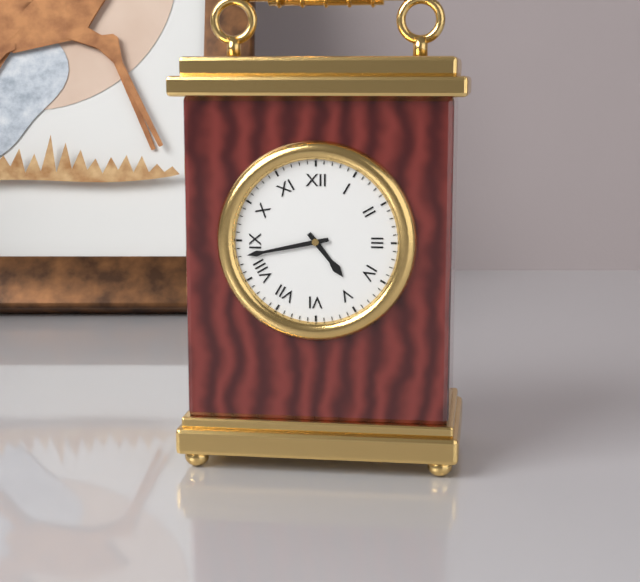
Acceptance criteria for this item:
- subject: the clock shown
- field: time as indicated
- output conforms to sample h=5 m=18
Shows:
h=4 m=43
